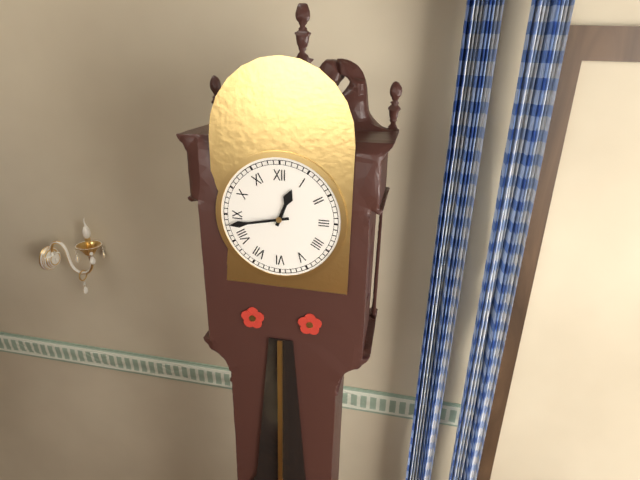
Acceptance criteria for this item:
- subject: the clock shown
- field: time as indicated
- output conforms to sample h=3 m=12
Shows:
h=12 m=43
